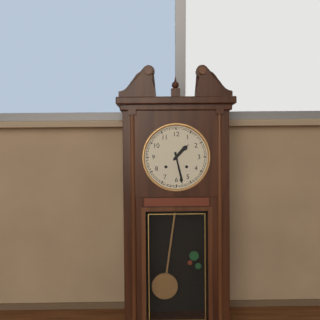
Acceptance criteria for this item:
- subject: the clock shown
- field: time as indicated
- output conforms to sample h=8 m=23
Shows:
h=1 m=28
